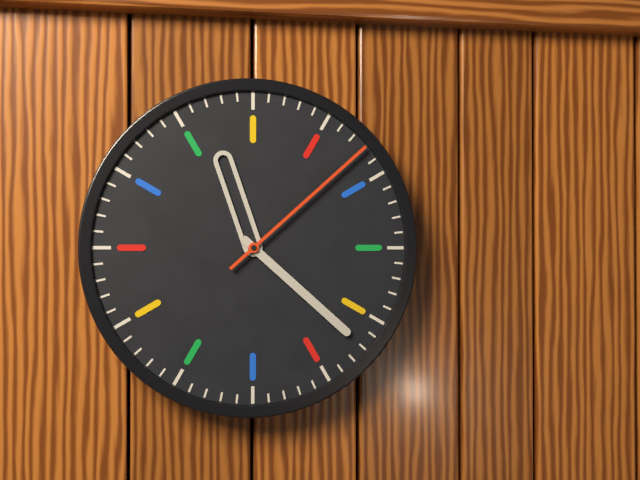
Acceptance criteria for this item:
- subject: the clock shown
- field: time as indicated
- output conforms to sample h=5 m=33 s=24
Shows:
h=11 m=22 s=8
